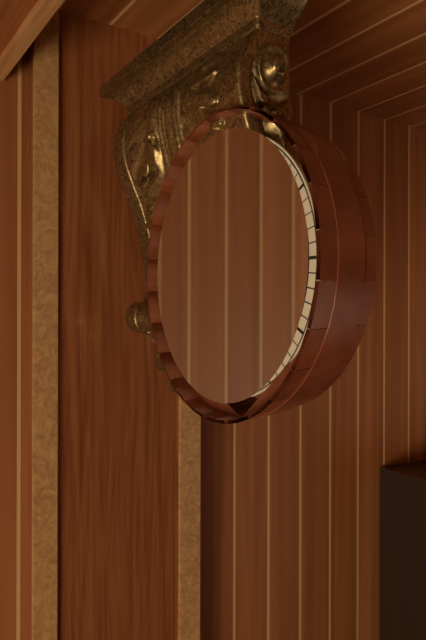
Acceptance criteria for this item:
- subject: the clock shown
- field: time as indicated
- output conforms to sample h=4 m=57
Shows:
h=12 m=42
